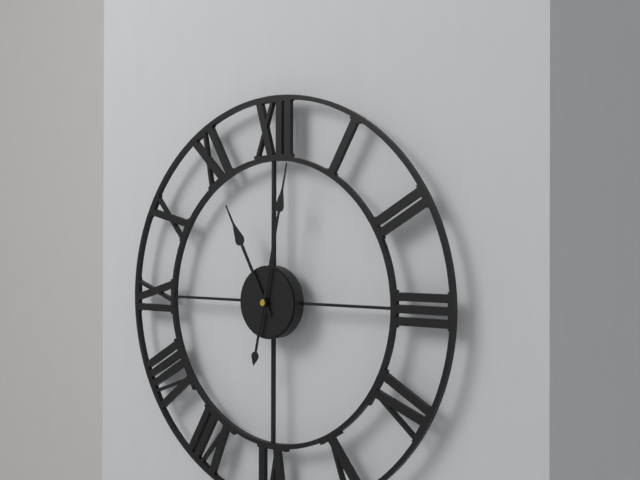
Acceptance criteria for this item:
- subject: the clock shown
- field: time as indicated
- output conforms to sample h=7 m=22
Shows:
h=11 m=2
